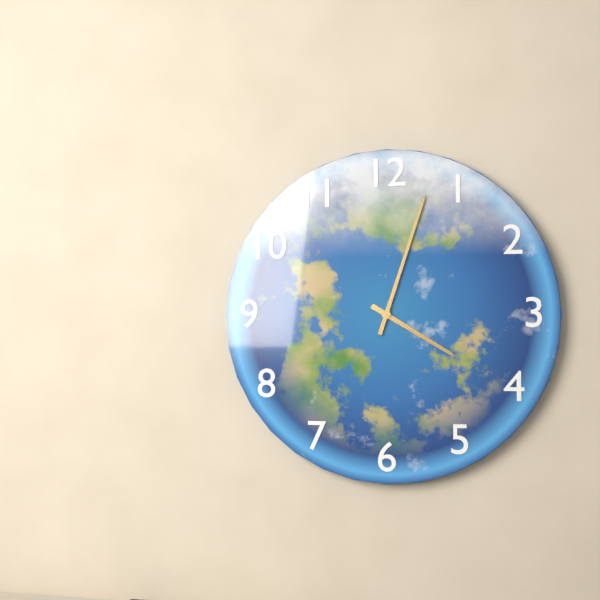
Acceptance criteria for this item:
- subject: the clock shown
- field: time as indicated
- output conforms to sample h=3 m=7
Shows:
h=4 m=3
